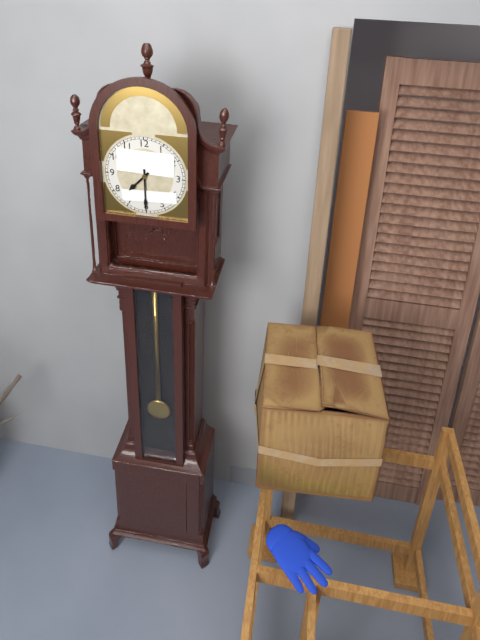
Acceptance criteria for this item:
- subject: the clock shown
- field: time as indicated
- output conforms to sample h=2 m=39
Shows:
h=7 m=30
